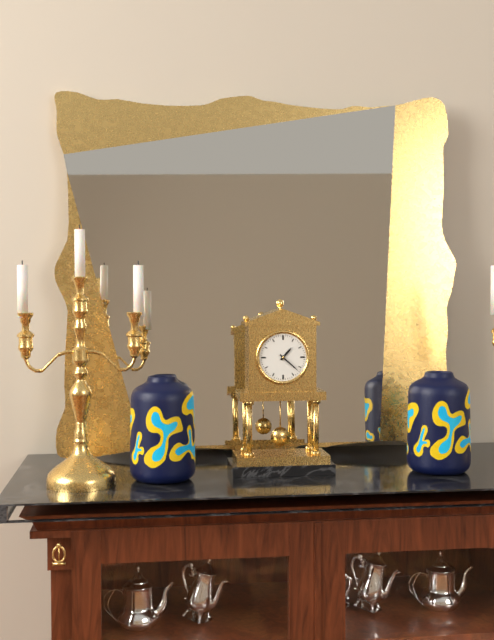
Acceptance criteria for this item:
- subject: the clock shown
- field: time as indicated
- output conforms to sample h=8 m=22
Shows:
h=1 m=22
